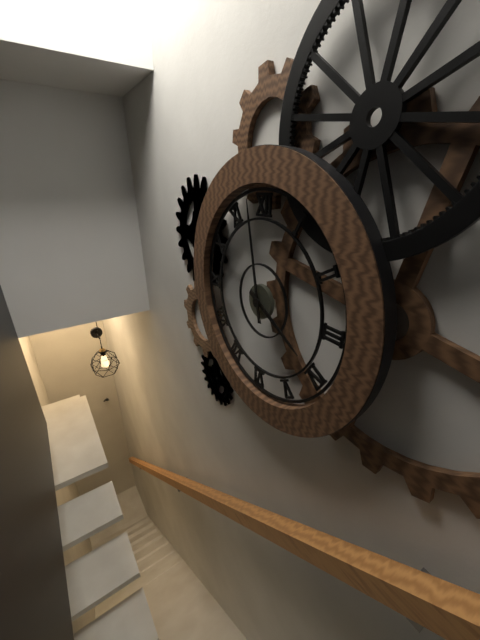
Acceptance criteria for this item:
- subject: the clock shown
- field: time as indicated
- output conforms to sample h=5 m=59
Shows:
h=3 m=58
